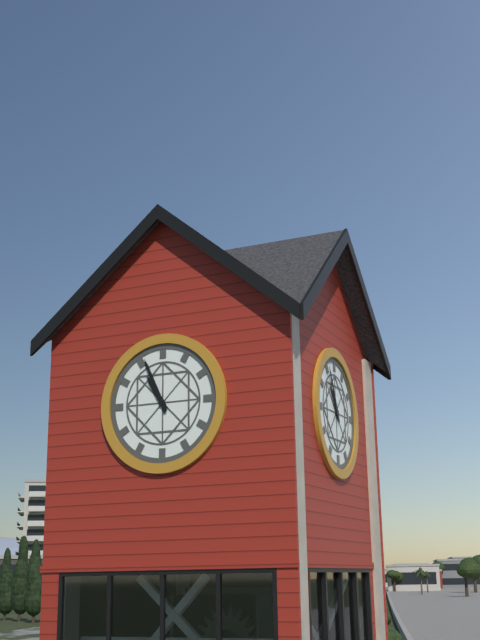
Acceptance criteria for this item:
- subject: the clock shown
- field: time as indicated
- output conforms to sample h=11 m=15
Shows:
h=10 m=56
